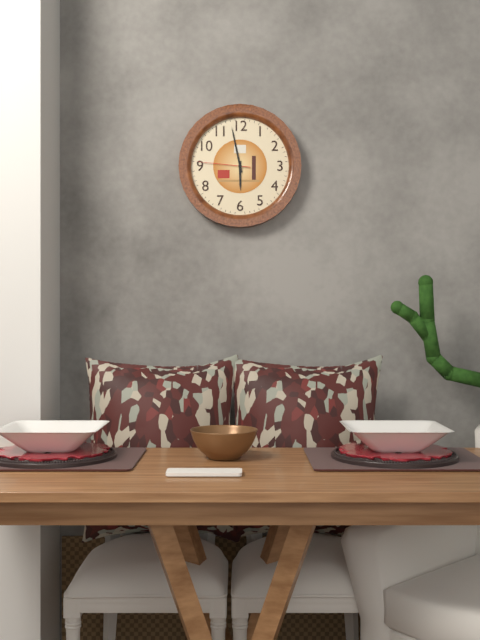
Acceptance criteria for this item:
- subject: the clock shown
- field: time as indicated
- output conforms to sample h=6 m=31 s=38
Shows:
h=5 m=58 s=46
